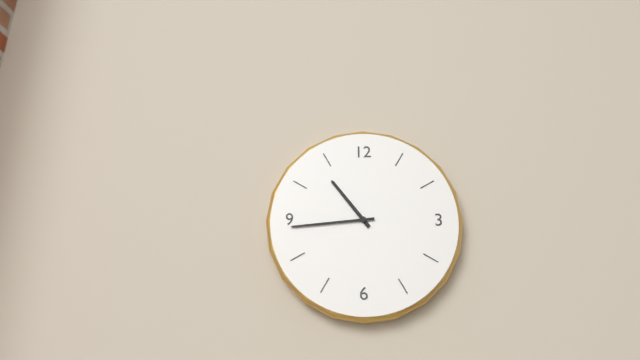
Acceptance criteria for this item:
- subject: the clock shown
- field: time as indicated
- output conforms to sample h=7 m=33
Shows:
h=10 m=44
